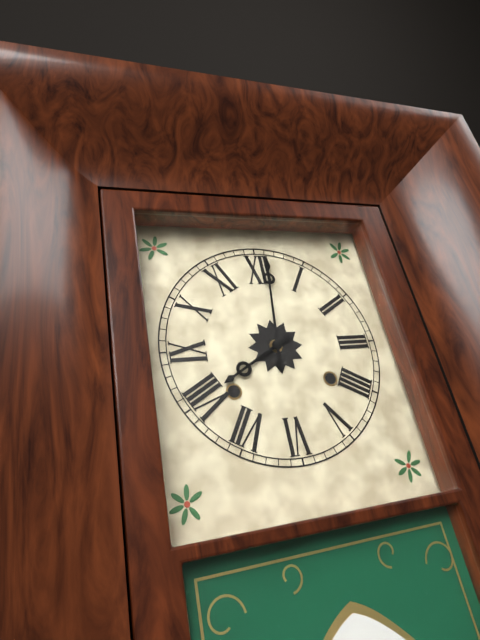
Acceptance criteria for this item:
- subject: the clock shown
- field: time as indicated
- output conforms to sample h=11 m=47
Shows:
h=8 m=1
